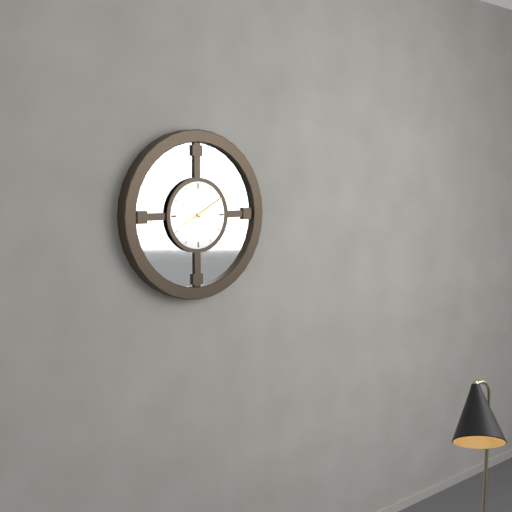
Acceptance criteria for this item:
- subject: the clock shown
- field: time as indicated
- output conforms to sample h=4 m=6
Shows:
h=8 m=10
